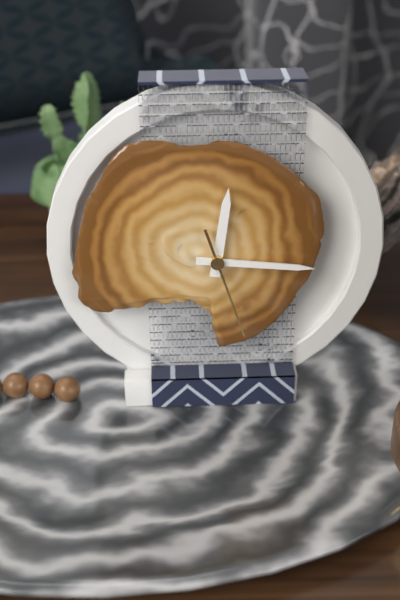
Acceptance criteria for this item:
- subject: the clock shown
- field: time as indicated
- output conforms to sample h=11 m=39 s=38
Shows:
h=12 m=16 s=27
